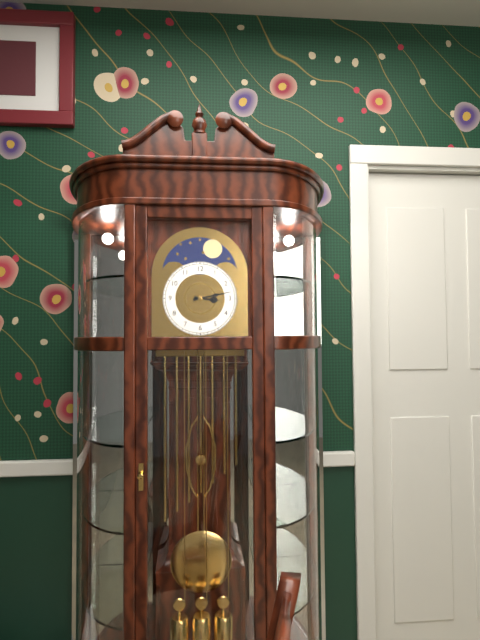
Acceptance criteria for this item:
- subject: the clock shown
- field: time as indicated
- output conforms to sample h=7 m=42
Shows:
h=3 m=13
